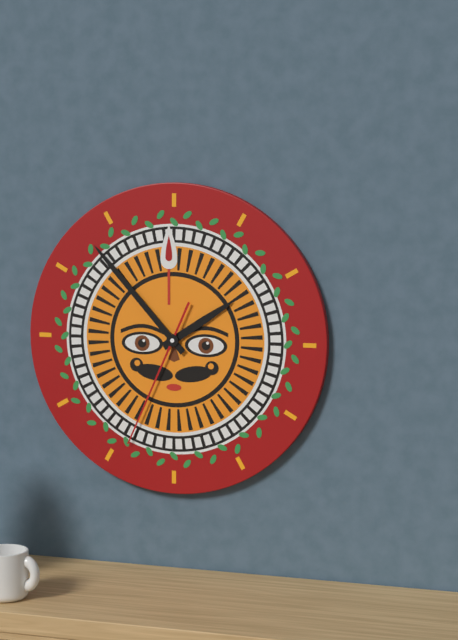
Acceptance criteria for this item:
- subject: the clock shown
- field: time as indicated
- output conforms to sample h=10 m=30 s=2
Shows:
h=1 m=53 s=34
